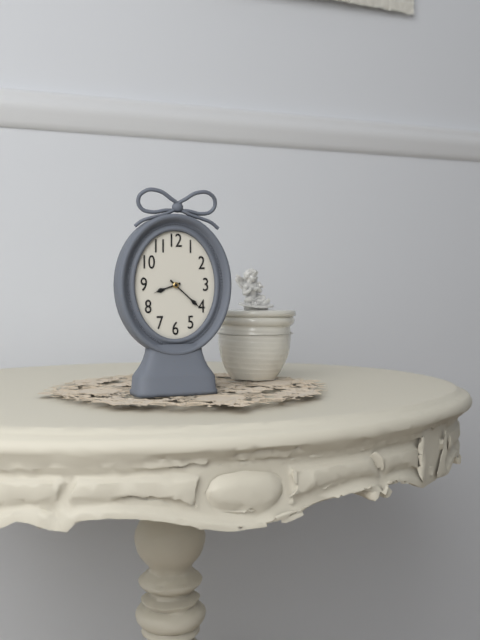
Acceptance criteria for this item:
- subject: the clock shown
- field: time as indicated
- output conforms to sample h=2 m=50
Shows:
h=8 m=22
